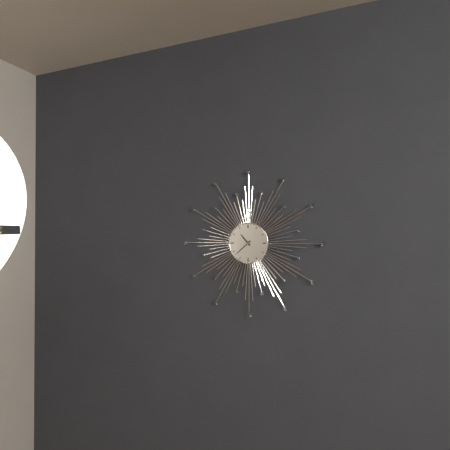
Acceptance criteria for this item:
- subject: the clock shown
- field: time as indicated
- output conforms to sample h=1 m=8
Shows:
h=10 m=38
